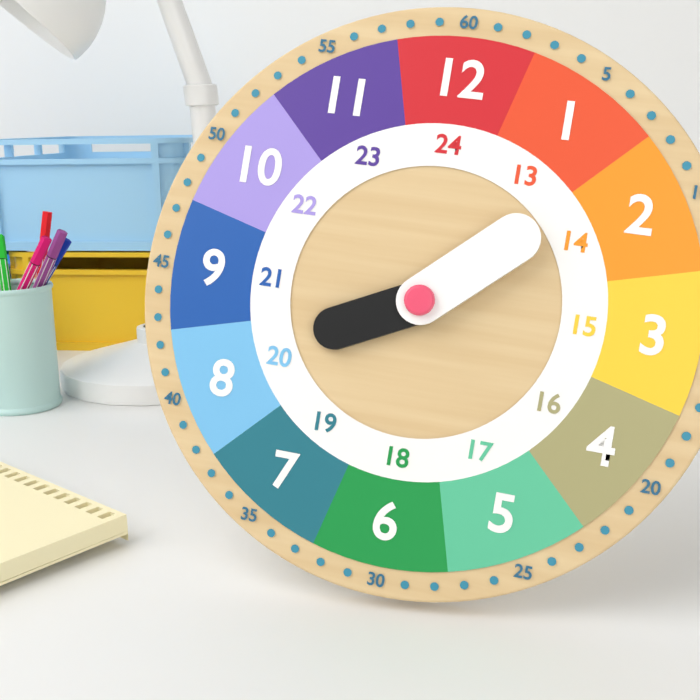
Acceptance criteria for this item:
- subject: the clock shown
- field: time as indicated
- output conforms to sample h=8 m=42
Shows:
h=8 m=8
